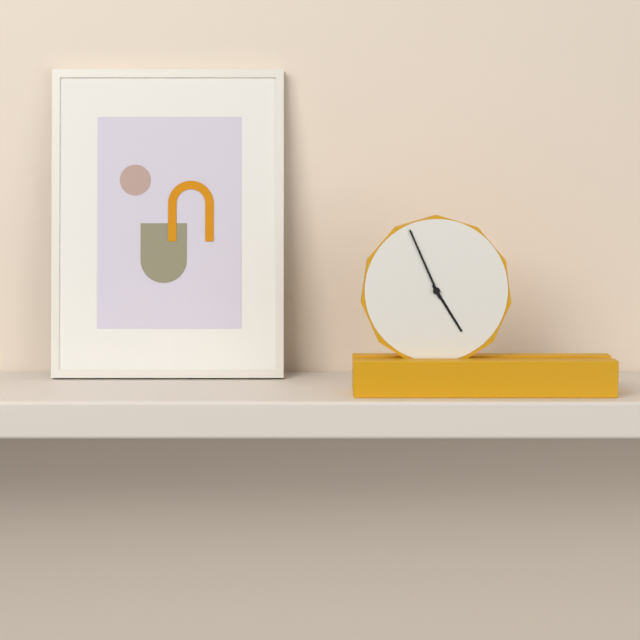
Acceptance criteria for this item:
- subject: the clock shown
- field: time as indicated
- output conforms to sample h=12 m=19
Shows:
h=4 m=56
